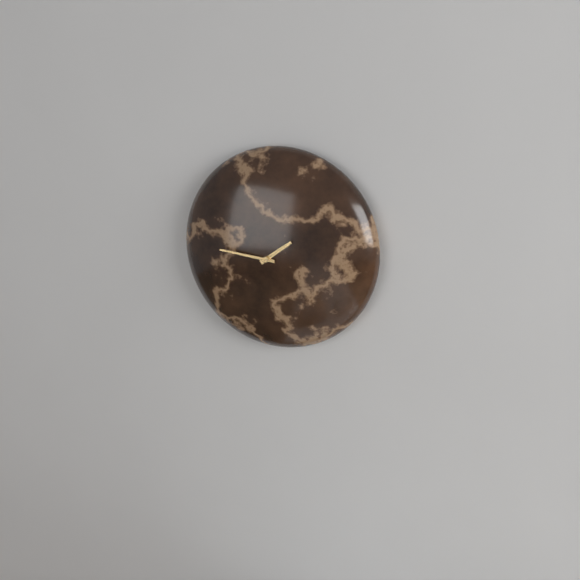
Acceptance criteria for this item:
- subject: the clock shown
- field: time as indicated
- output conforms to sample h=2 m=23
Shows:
h=1 m=46
